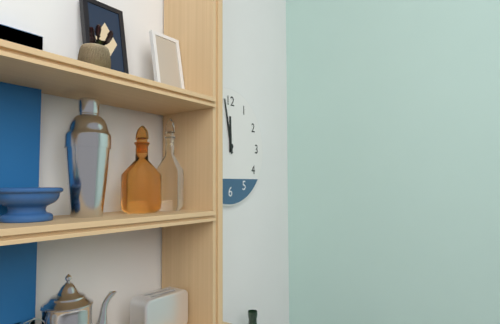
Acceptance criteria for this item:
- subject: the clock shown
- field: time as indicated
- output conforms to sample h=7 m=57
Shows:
h=11 m=58
